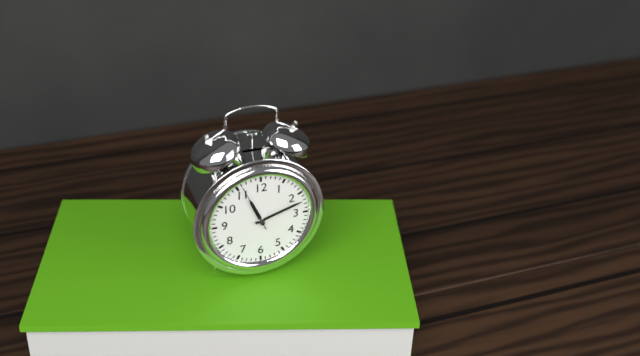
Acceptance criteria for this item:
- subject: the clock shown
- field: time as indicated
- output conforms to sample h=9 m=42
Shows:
h=11 m=12
